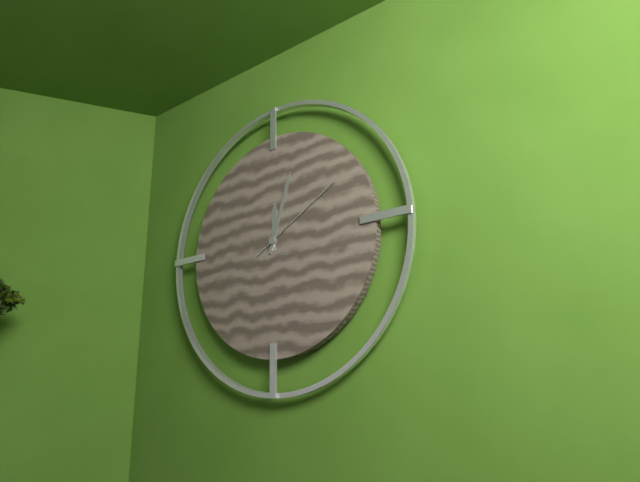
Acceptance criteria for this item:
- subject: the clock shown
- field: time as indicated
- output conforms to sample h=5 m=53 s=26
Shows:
h=12 m=3 s=10
